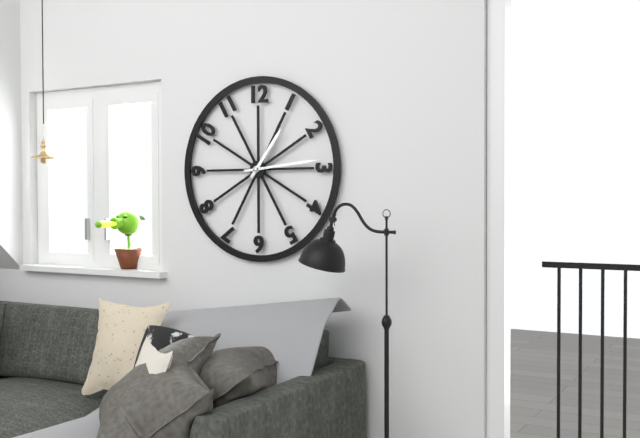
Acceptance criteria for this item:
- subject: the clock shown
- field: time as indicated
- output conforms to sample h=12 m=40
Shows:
h=1 m=14
